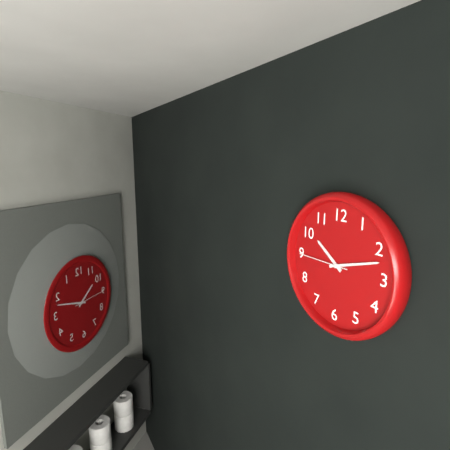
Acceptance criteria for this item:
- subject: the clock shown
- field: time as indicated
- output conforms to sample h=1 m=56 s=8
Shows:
h=10 m=12 s=45
